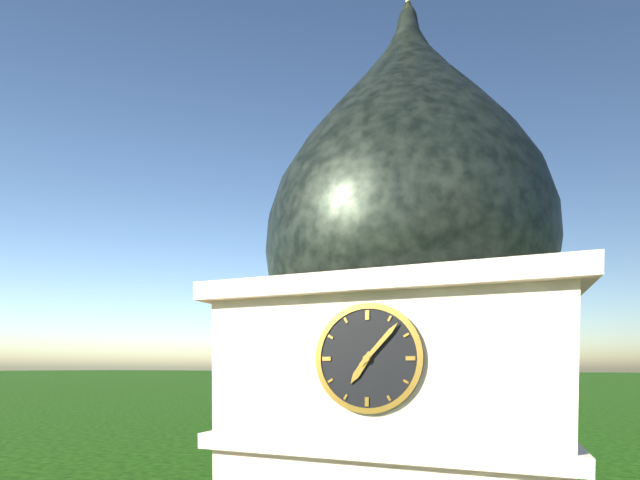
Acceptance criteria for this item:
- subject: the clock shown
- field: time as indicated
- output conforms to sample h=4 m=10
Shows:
h=7 m=7
